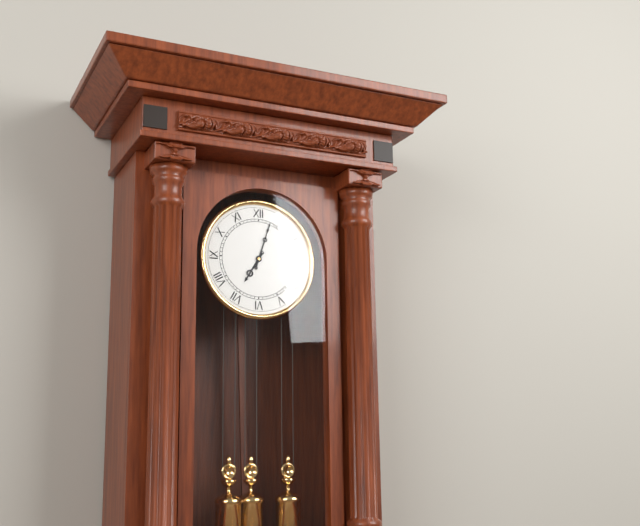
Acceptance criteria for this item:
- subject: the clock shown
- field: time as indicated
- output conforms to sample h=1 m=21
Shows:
h=7 m=3
